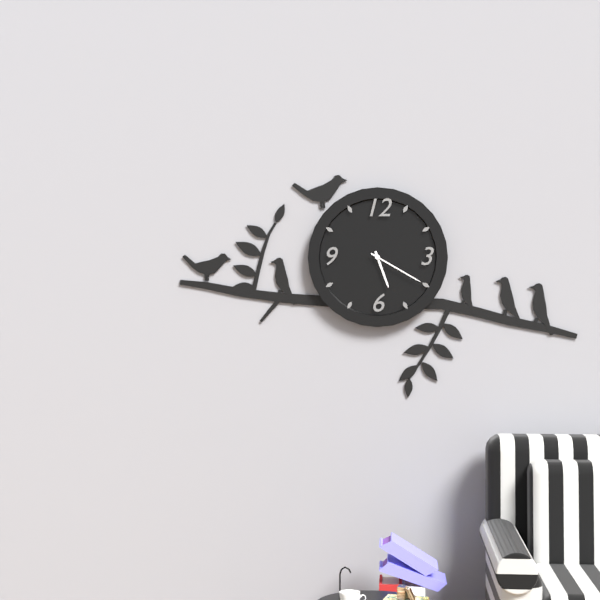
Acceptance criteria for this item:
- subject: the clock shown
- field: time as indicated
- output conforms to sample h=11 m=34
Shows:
h=5 m=20
